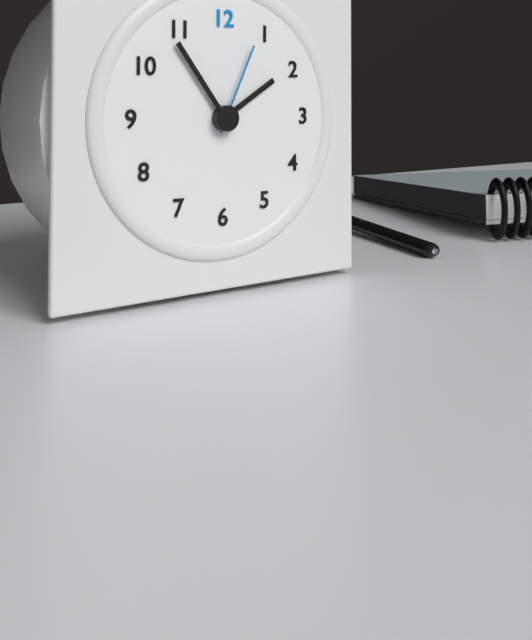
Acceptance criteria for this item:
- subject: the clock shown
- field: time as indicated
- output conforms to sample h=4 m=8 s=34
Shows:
h=1 m=54 s=4
